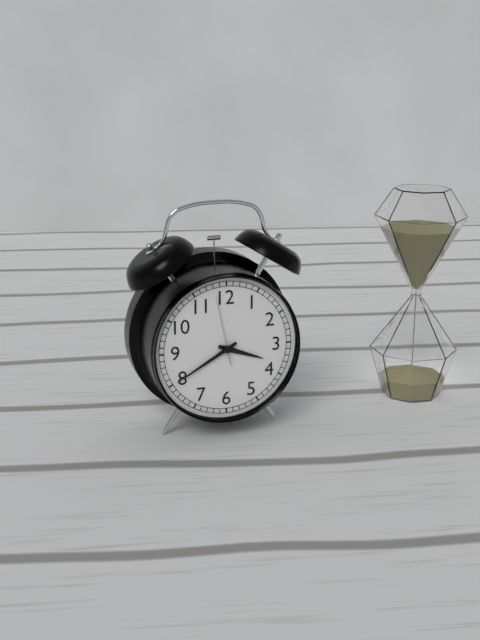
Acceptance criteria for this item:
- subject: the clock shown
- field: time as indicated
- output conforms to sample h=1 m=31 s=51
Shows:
h=3 m=40 s=58
